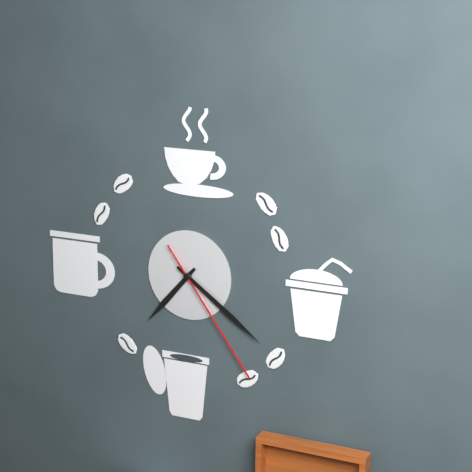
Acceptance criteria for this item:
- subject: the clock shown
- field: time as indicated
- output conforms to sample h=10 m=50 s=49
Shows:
h=7 m=21 s=24
